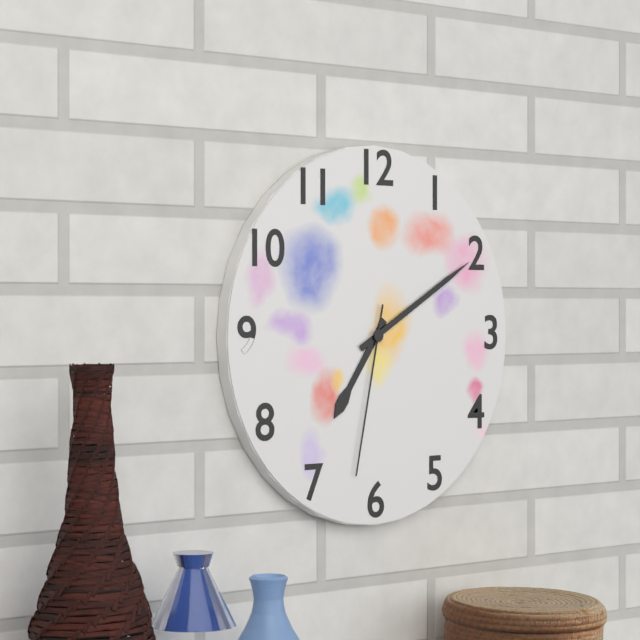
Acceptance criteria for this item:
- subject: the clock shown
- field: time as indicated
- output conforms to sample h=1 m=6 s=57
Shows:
h=7 m=10 s=32
